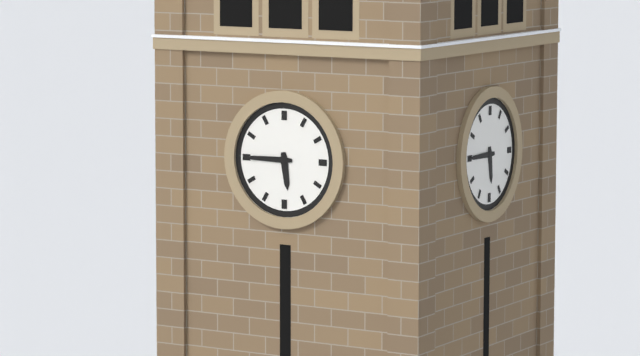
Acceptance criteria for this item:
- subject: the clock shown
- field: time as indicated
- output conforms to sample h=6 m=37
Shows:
h=5 m=45
